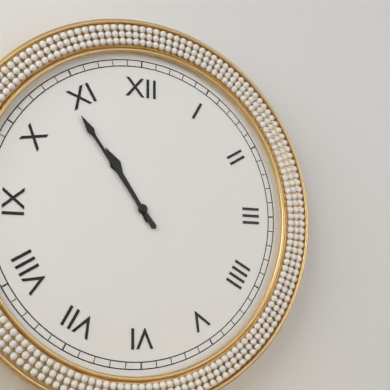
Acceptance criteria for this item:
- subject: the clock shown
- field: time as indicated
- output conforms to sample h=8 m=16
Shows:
h=10 m=54
